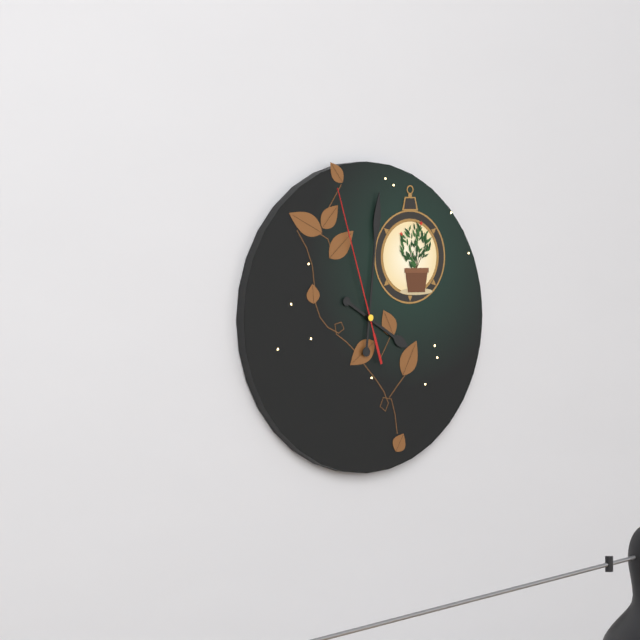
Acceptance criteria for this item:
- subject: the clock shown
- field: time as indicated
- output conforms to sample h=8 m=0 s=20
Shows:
h=4 m=1 s=57
